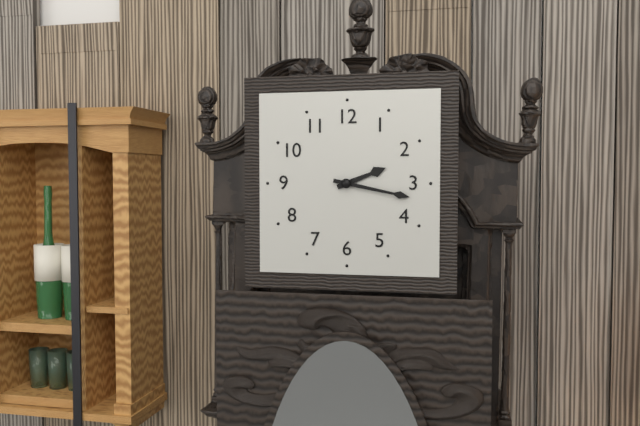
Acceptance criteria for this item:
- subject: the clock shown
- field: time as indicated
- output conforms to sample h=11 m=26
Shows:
h=2 m=17
